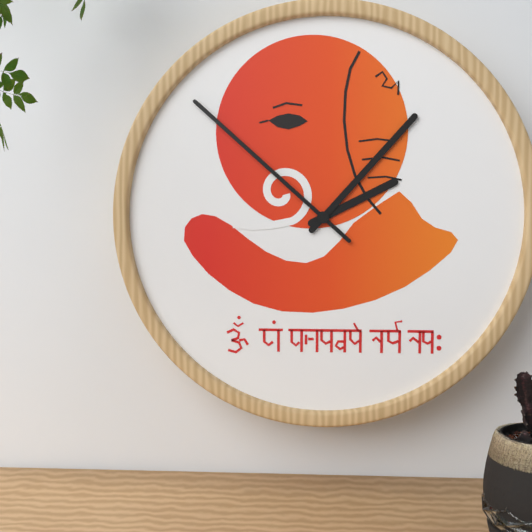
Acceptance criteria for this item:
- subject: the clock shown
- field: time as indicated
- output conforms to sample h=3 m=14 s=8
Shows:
h=2 m=7 s=52
